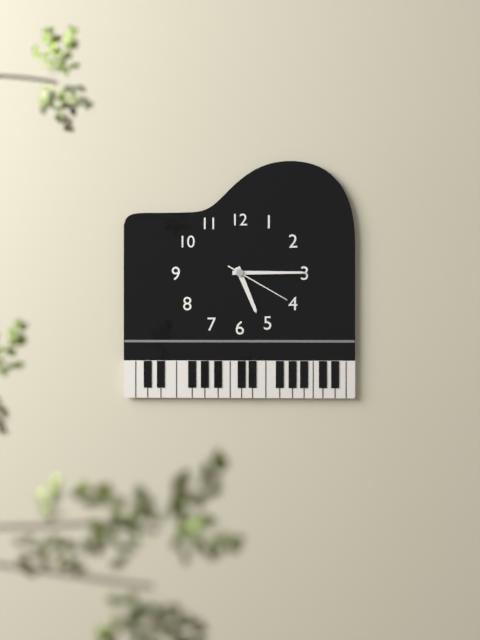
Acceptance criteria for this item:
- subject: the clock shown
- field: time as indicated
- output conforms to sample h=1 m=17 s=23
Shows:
h=5 m=15 s=20
